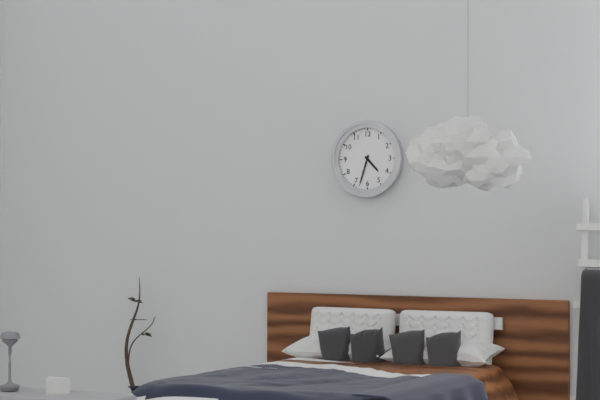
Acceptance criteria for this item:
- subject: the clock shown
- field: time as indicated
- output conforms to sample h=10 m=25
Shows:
h=4 m=33
